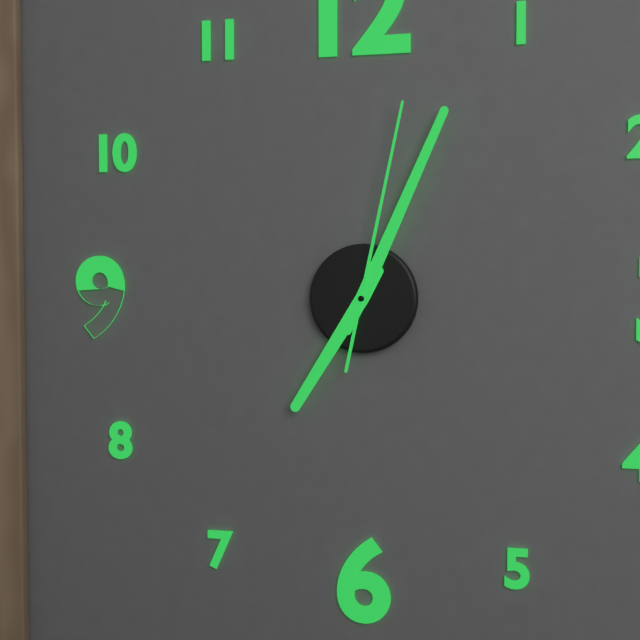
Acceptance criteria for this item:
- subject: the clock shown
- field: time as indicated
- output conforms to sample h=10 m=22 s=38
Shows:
h=7 m=4 s=2
